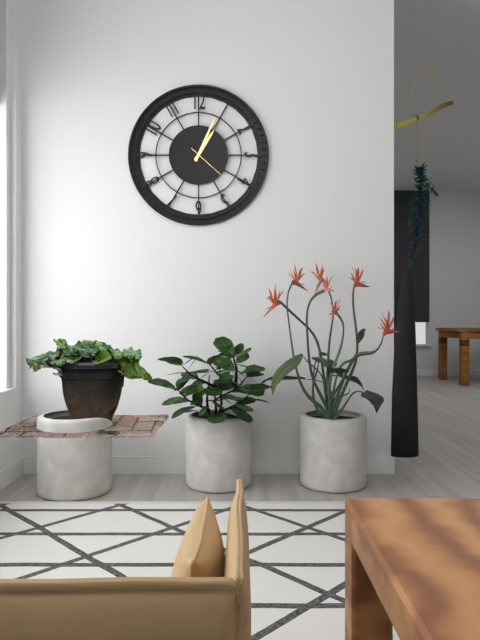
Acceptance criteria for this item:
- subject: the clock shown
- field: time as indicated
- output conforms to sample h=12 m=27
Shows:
h=1 m=4
